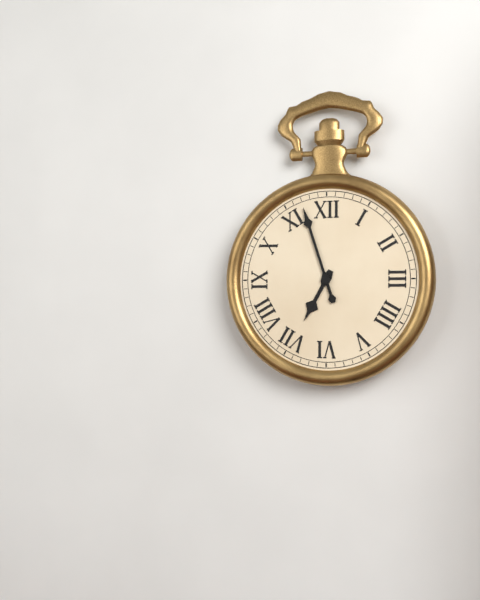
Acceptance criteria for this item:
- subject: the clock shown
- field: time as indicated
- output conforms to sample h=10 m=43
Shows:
h=6 m=57
